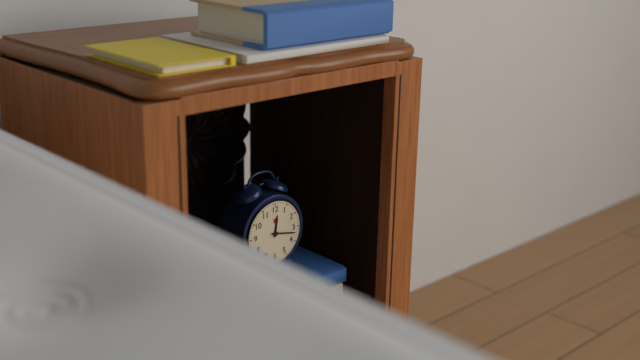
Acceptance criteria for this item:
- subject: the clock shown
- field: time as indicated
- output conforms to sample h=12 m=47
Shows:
h=12 m=17
